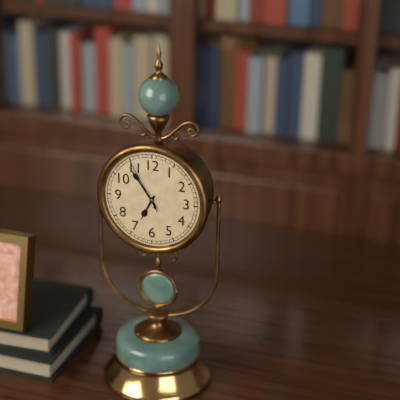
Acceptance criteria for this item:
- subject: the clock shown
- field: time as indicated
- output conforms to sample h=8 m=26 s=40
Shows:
h=6 m=54 s=55
